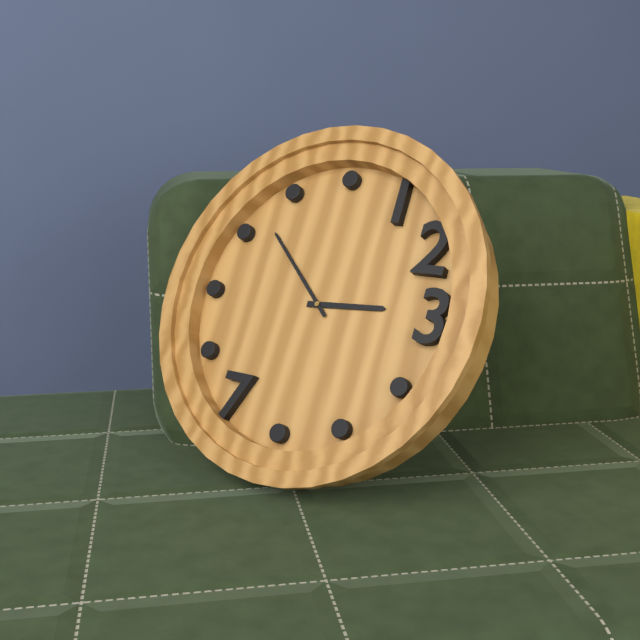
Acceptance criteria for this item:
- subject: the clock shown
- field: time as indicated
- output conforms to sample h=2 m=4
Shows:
h=2 m=52
